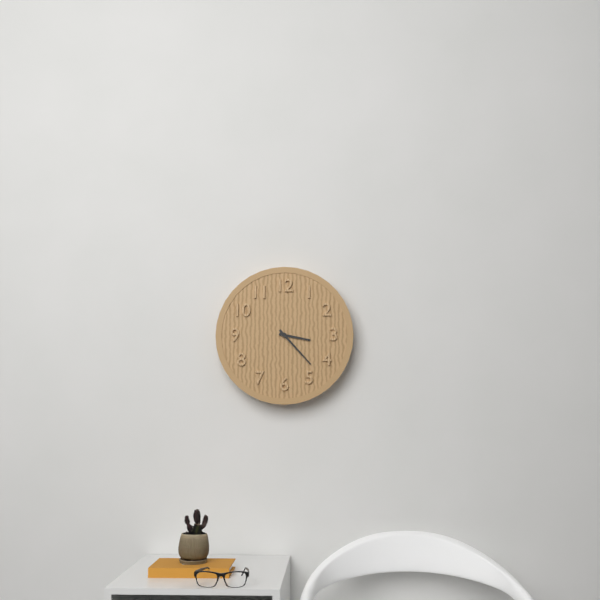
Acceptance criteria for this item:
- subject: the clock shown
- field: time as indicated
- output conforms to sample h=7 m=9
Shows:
h=3 m=23
